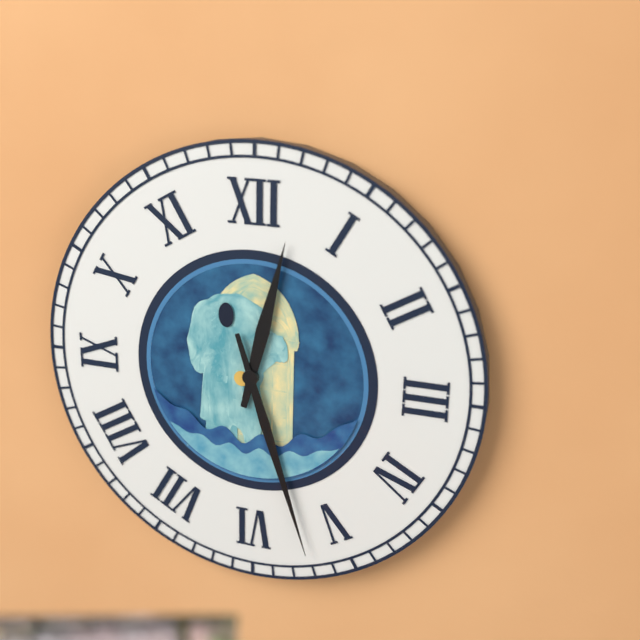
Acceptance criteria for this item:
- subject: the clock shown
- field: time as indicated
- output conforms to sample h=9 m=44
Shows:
h=12 m=27
